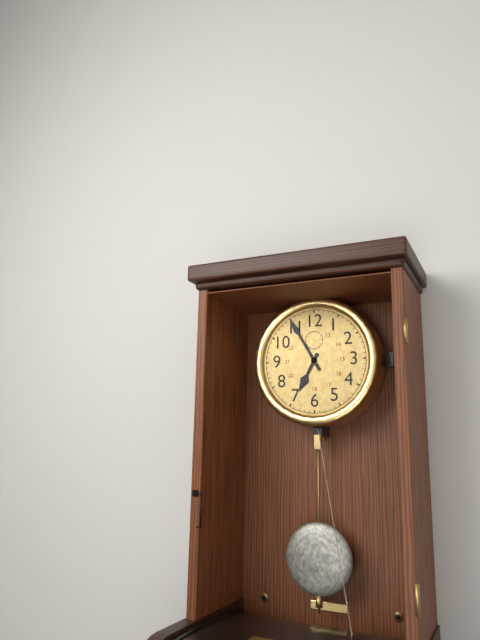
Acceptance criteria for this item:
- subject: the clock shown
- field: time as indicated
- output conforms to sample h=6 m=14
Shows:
h=6 m=55
